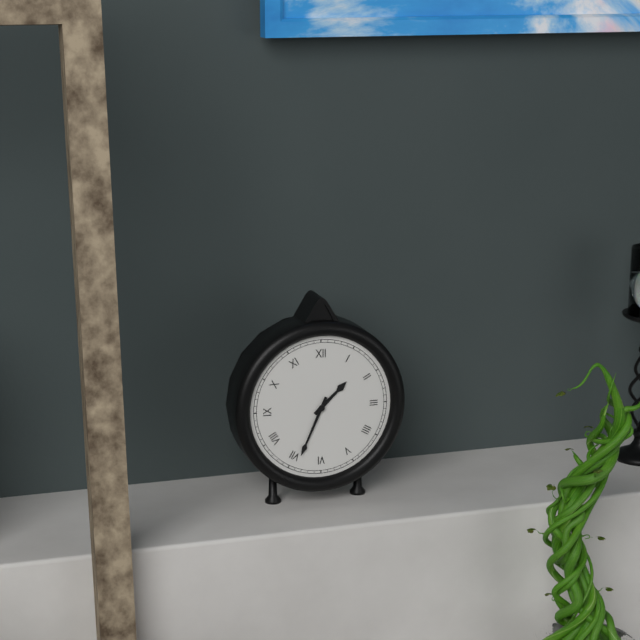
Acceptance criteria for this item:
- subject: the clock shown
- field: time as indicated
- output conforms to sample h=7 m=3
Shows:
h=1 m=34
